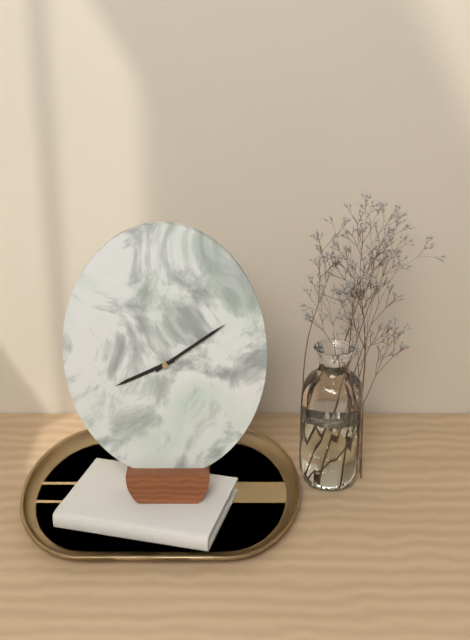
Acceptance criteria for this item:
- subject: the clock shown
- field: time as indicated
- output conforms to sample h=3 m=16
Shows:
h=8 m=9
